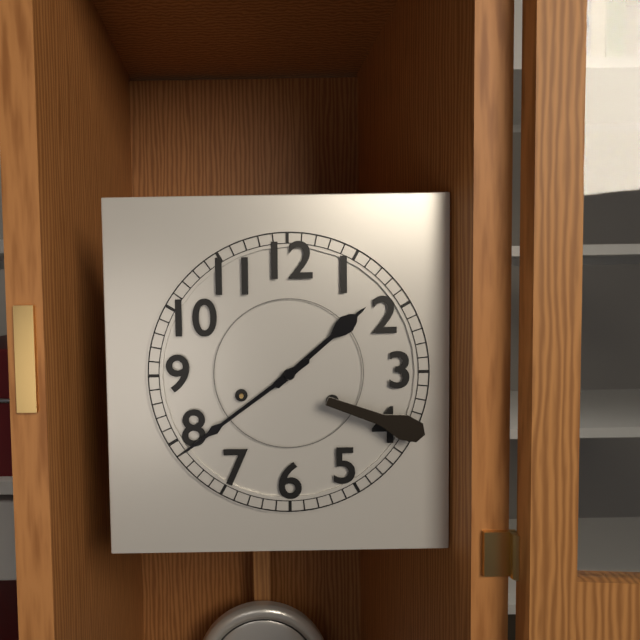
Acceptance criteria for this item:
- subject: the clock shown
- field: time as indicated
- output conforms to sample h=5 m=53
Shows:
h=1 m=39
